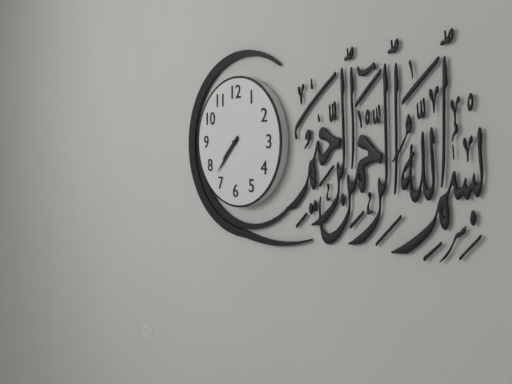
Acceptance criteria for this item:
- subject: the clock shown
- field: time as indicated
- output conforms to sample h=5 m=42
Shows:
h=7 m=37
